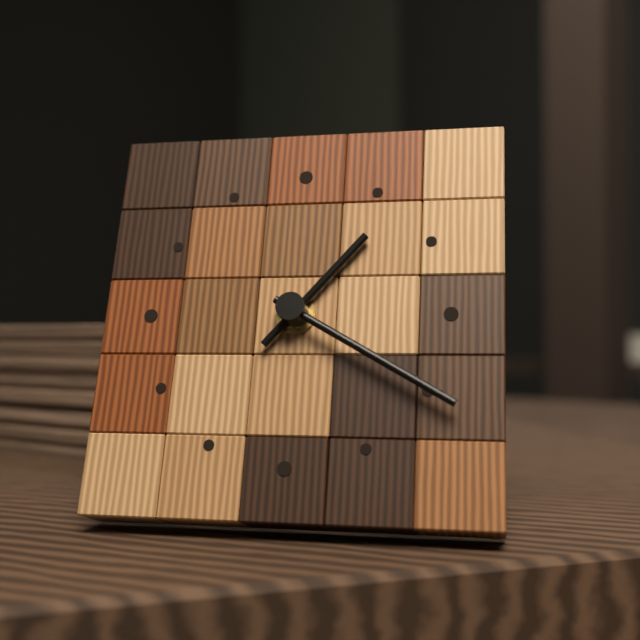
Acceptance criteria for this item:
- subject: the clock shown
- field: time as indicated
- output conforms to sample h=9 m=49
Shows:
h=1 m=20
